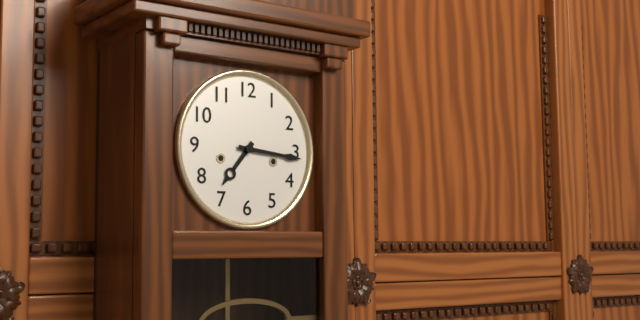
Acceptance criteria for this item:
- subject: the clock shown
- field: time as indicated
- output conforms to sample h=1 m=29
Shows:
h=7 m=16
